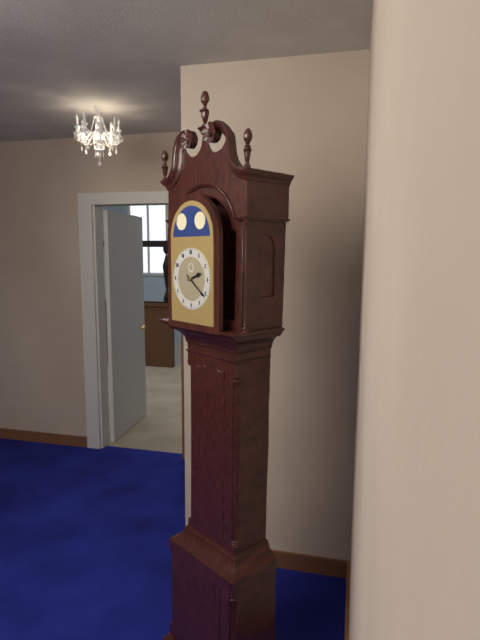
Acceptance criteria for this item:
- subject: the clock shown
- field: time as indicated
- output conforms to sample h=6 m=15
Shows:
h=2 m=21
